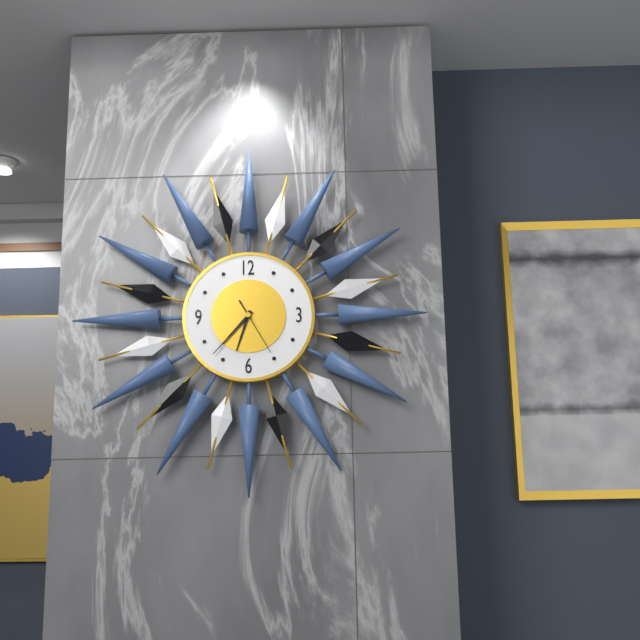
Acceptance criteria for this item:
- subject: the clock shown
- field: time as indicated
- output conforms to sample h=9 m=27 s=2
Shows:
h=6 m=37 s=25
